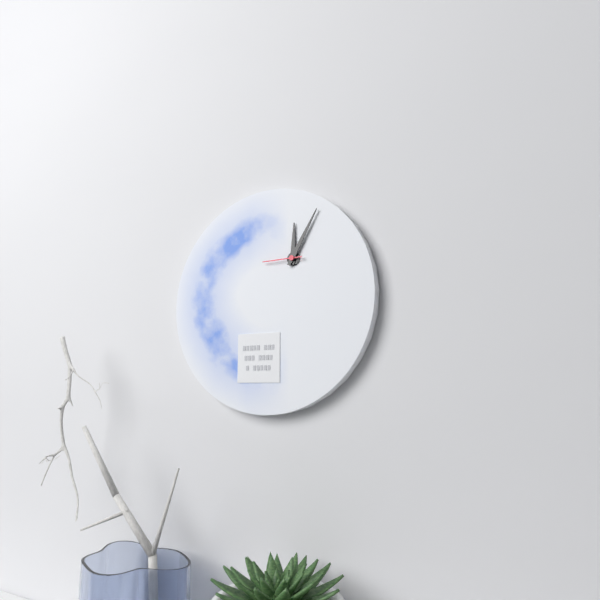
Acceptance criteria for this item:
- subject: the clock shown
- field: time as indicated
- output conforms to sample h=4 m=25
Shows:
h=12 m=5
